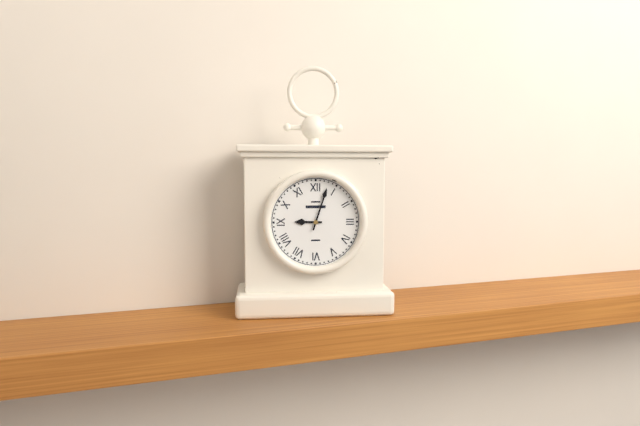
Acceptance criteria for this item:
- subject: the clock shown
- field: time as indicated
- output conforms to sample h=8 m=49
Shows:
h=9 m=3
